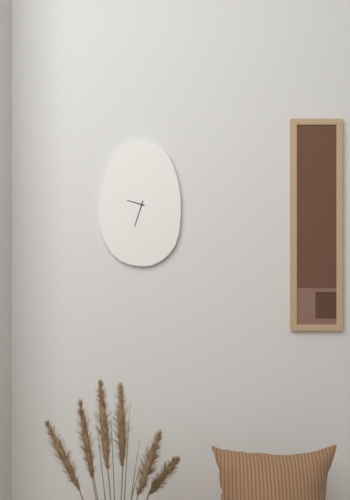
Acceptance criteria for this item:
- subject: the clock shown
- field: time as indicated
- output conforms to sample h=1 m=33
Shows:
h=9 m=33
